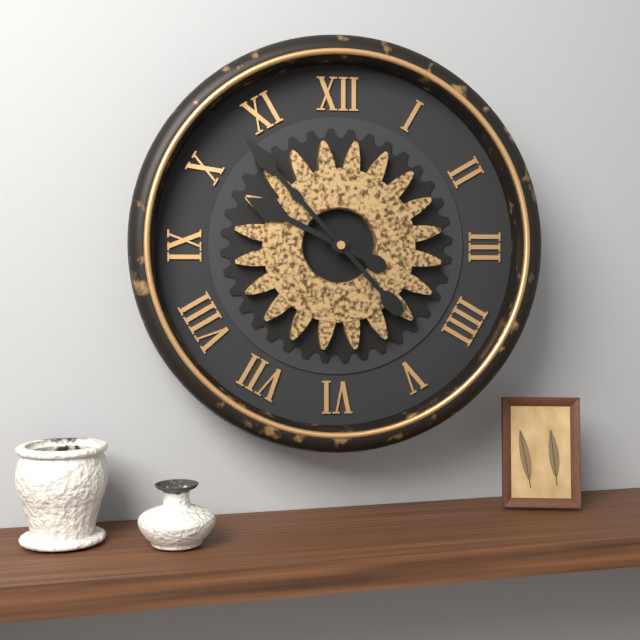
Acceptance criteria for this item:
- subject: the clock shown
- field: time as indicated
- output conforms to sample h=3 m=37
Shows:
h=9 m=53
